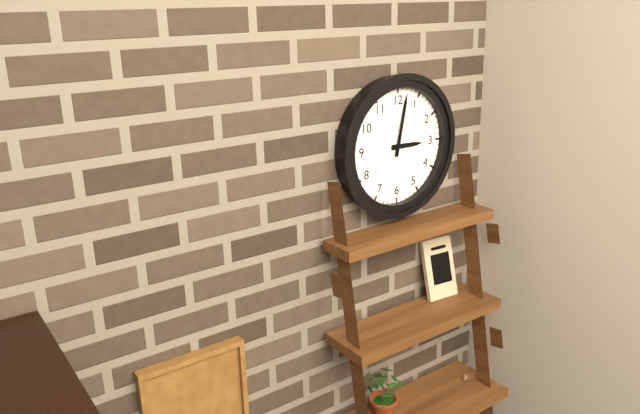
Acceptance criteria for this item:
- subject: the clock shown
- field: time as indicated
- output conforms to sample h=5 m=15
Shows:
h=3 m=2
